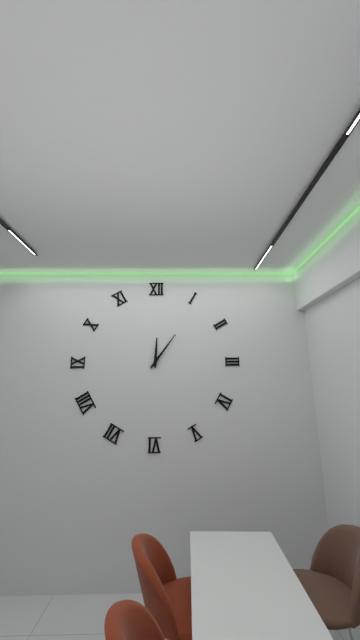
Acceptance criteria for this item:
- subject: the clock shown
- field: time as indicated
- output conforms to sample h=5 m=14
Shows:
h=12 m=6
